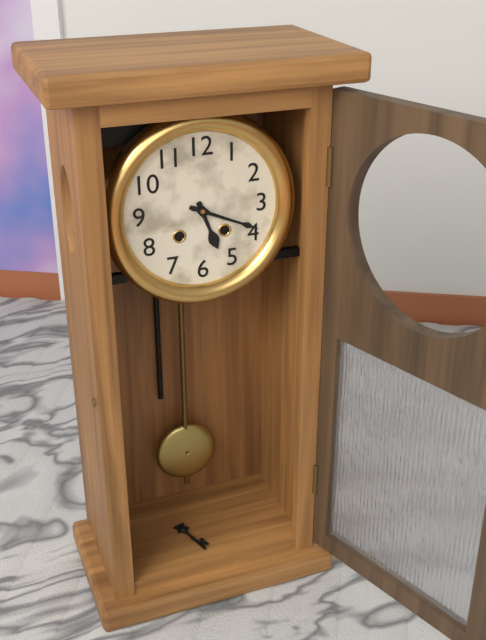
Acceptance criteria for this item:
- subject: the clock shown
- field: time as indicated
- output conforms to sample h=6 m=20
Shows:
h=5 m=19
